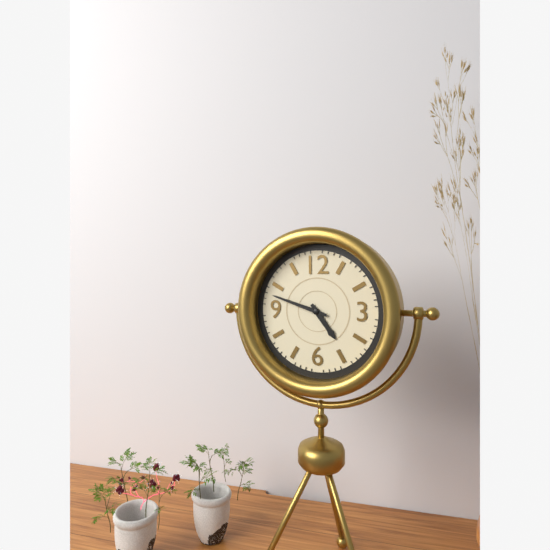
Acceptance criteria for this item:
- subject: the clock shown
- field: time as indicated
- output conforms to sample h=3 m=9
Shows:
h=4 m=48
